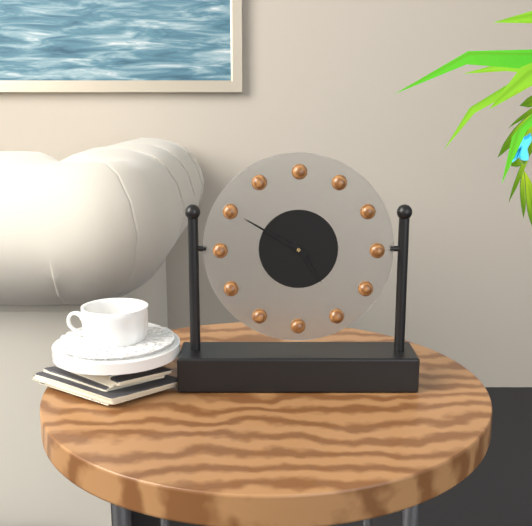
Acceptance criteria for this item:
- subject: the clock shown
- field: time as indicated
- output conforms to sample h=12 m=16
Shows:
h=4 m=50
